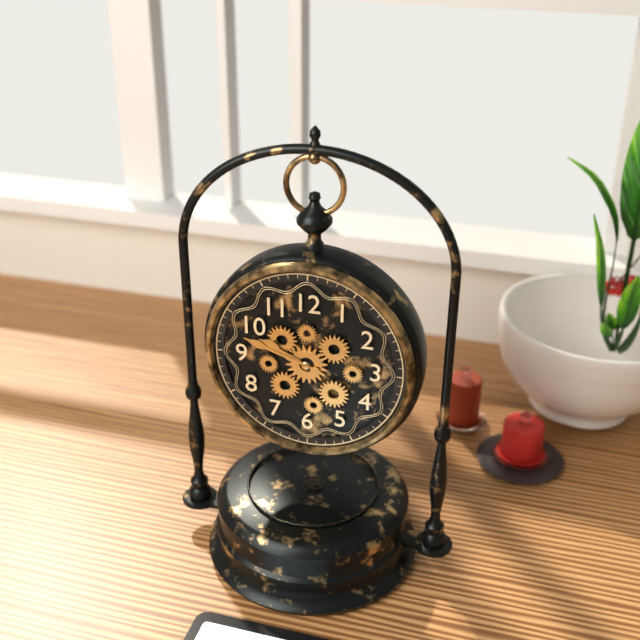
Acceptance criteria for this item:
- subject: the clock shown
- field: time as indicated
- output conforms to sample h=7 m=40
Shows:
h=9 m=48
